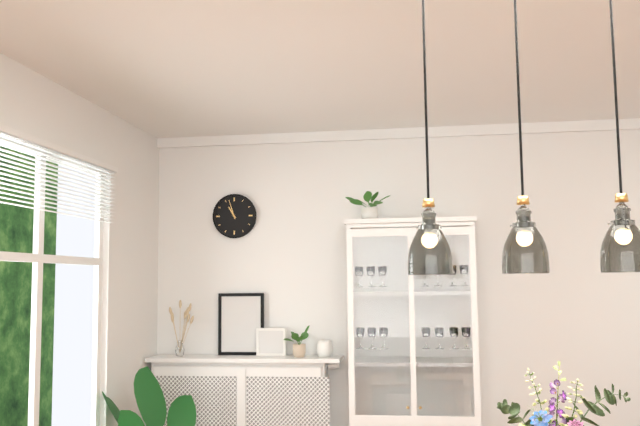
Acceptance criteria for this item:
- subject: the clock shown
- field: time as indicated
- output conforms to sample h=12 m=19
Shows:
h=10 m=57
